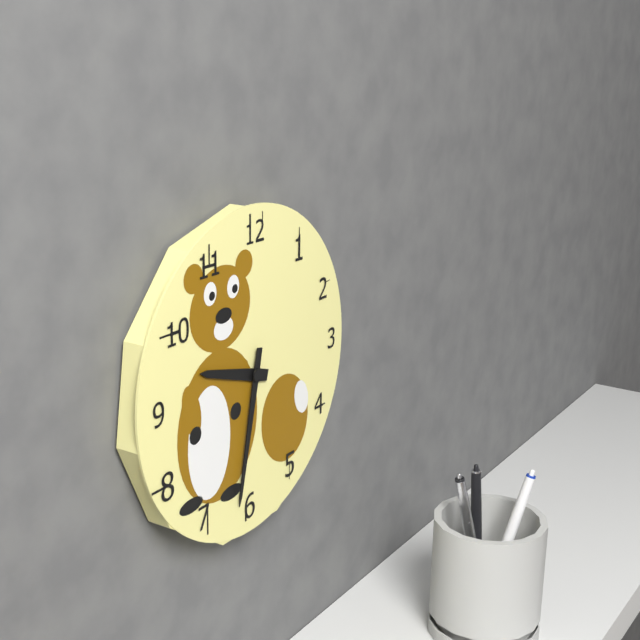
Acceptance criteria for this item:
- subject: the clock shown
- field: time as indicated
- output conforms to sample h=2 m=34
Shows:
h=9 m=32
